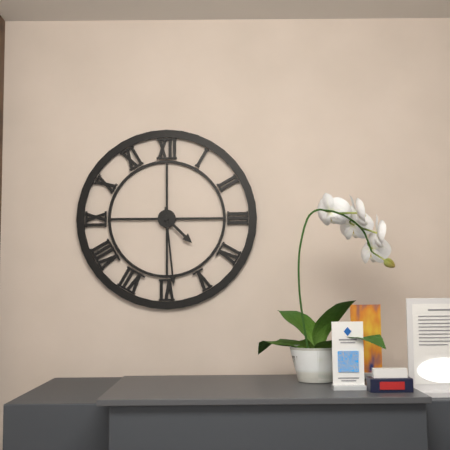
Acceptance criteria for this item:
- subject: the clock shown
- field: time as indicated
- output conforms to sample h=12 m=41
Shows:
h=4 m=29
